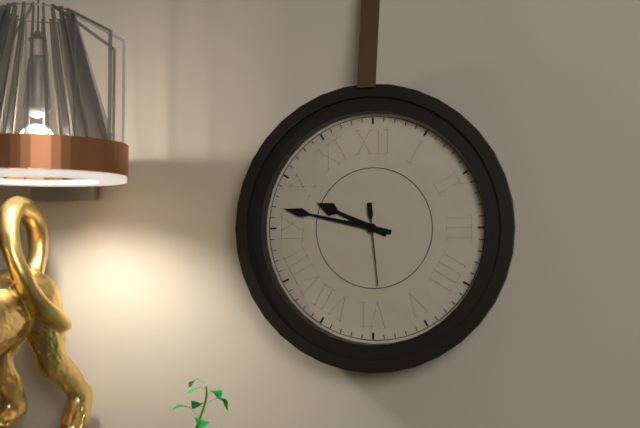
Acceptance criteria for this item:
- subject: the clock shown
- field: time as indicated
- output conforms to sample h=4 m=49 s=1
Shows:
h=9 m=47 s=29
